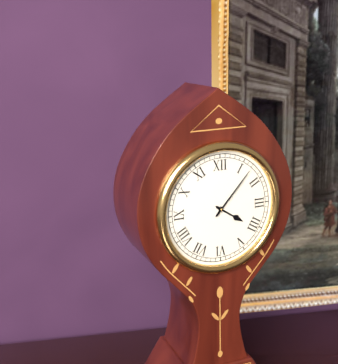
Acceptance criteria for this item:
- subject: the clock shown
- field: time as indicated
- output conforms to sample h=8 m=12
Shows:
h=4 m=7
